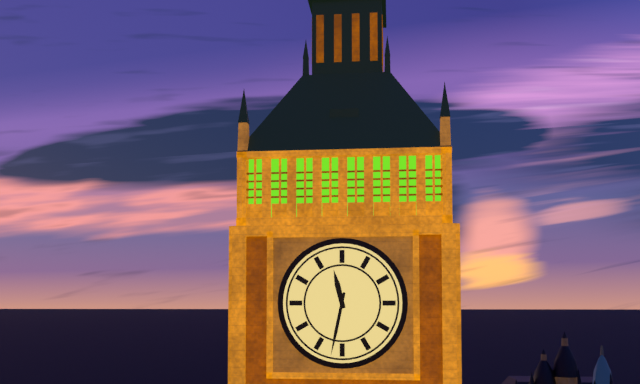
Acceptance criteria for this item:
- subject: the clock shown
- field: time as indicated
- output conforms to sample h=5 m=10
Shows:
h=11 m=32
